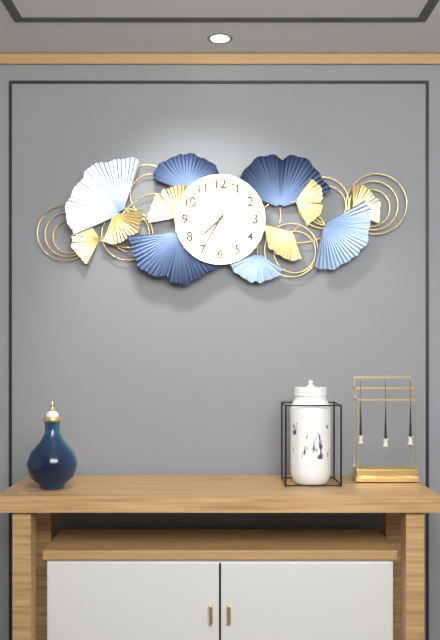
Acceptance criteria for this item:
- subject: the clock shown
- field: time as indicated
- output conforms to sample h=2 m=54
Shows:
h=7 m=35
